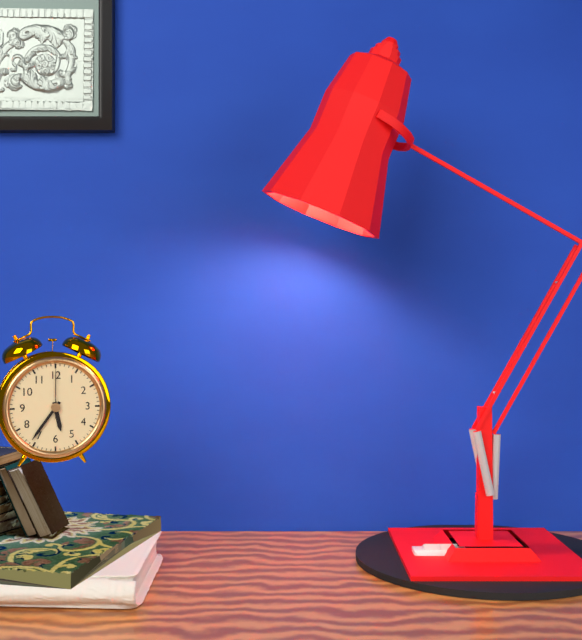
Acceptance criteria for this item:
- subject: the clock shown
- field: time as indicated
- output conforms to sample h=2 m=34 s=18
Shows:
h=5 m=36 s=0
